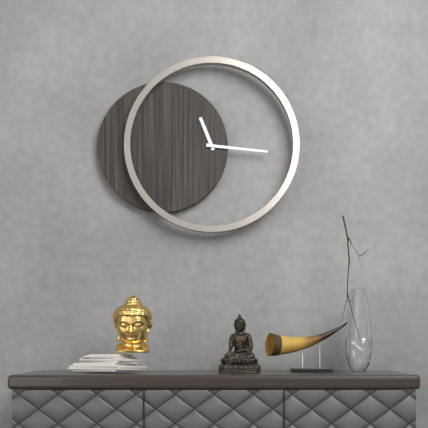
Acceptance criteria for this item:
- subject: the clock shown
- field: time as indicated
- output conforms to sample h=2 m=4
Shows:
h=11 m=16
